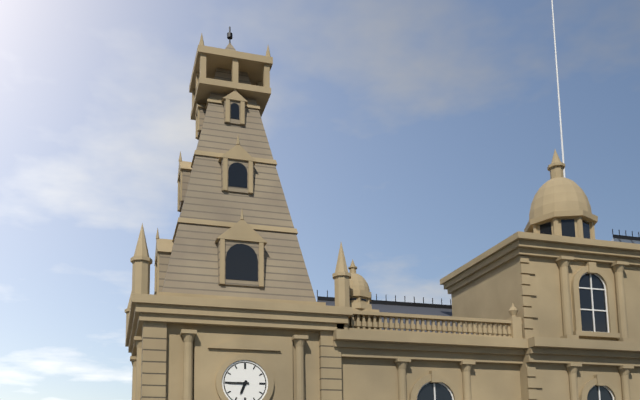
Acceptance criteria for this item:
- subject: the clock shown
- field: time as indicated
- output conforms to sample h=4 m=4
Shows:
h=6 m=45
